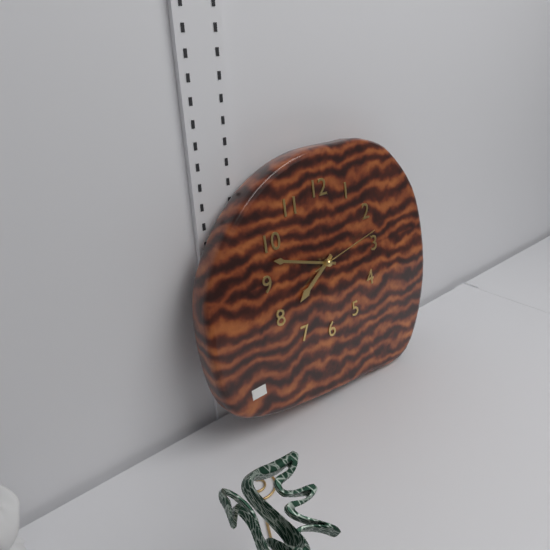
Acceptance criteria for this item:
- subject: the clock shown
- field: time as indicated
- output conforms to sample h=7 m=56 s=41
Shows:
h=7 m=48 s=13
